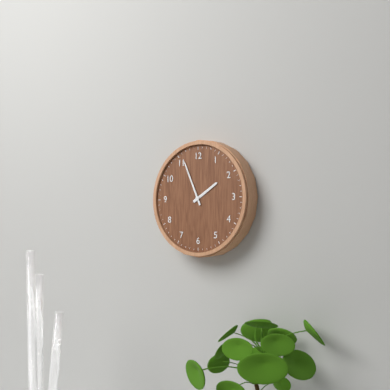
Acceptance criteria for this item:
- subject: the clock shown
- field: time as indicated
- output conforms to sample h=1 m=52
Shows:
h=1 m=56
